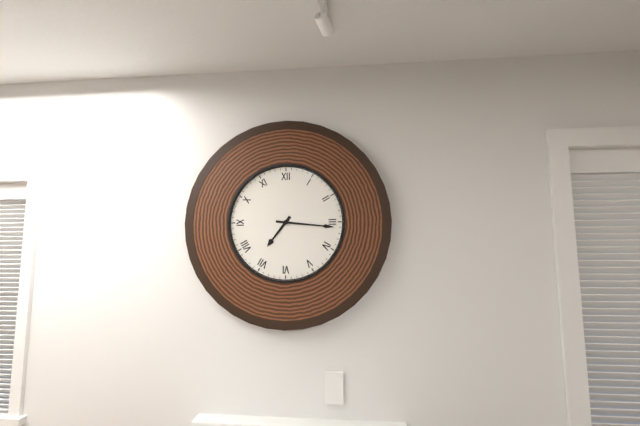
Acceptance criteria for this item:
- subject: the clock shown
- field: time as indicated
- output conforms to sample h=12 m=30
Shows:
h=7 m=16
